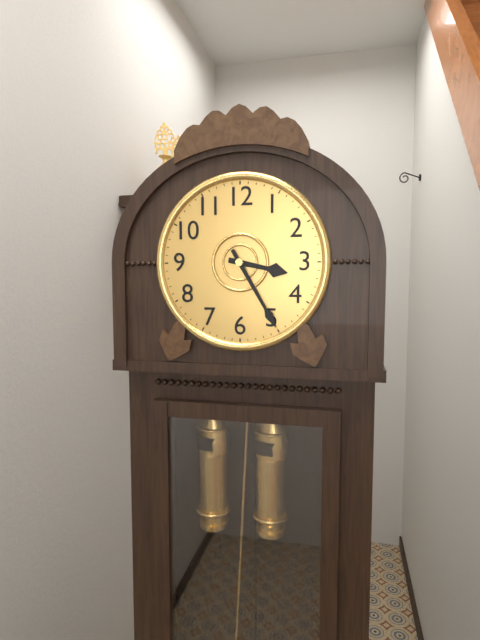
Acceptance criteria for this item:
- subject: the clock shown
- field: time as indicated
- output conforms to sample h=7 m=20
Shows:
h=3 m=25
